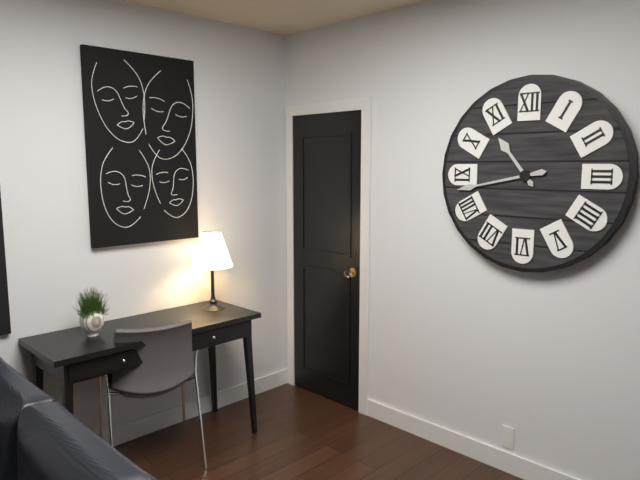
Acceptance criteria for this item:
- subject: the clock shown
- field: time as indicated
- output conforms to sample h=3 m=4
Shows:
h=10 m=43
